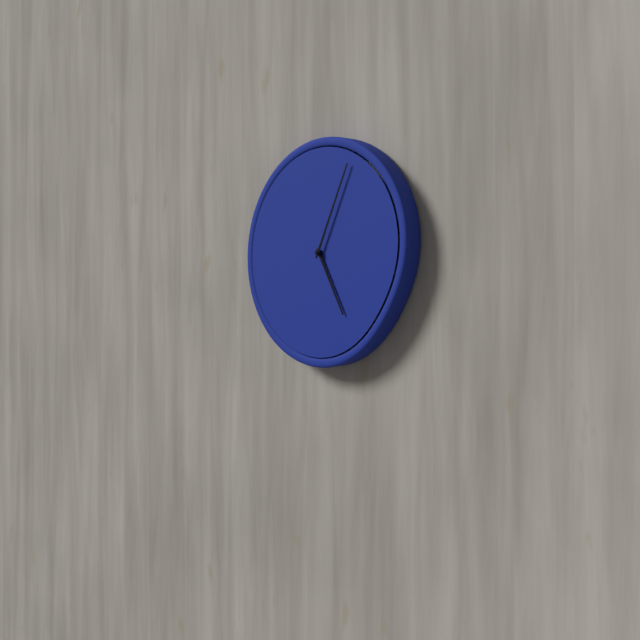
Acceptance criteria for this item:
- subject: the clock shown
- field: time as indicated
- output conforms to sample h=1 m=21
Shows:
h=5 m=4
